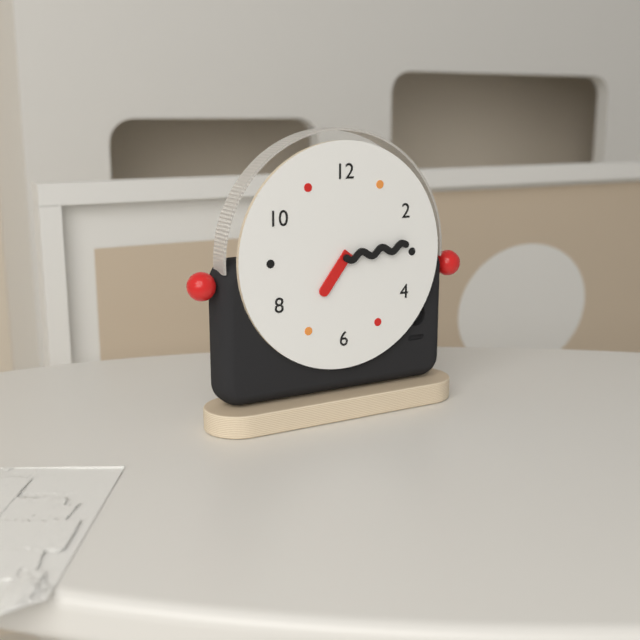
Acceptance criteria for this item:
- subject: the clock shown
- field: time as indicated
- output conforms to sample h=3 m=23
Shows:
h=7 m=14
